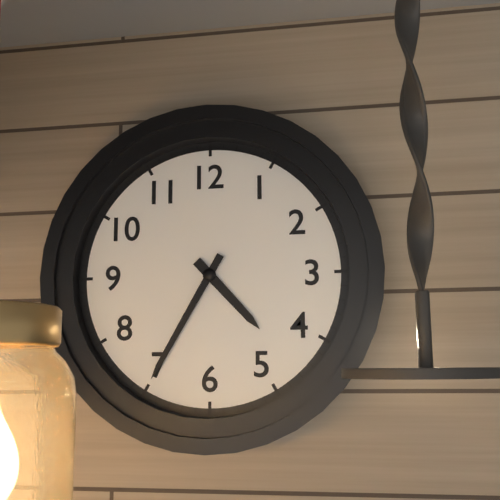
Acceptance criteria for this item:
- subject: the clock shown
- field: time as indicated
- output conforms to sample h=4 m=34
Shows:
h=4 m=35
